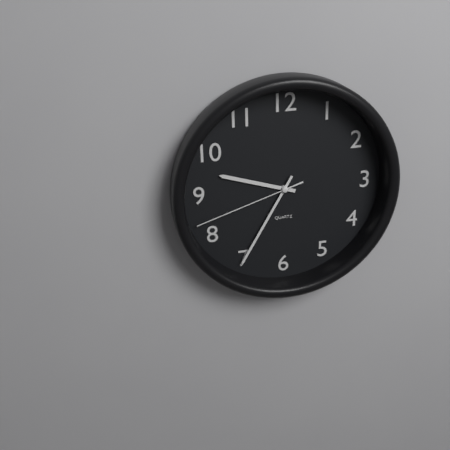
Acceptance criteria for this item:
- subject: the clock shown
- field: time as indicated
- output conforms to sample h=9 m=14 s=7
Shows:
h=9 m=35 s=42
